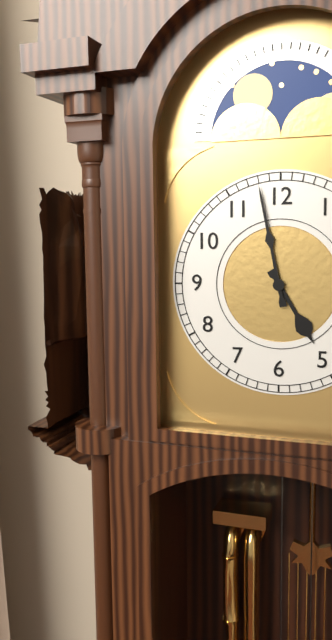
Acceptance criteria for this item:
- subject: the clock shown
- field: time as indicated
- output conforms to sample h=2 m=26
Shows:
h=4 m=58
